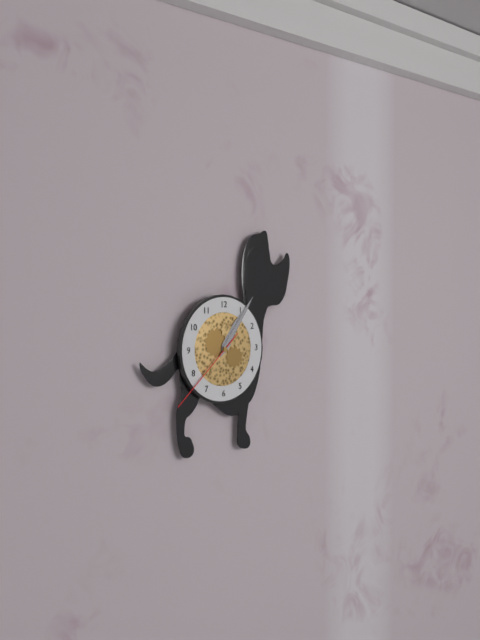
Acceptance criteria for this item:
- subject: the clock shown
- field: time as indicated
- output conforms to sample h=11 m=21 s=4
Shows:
h=1 m=6 s=38
